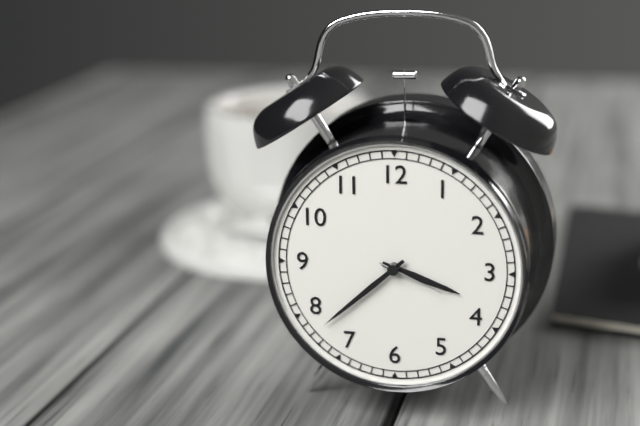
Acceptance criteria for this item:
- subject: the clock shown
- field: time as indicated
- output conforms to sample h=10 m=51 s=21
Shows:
h=3 m=38 s=19
